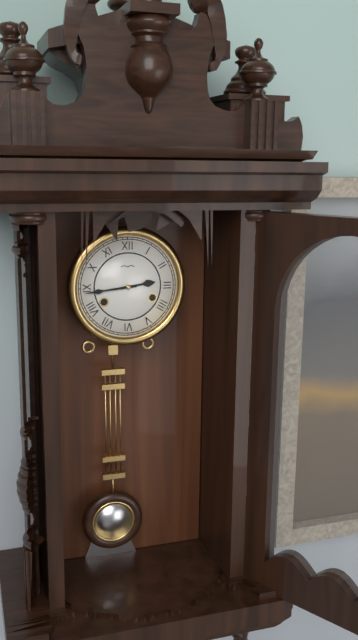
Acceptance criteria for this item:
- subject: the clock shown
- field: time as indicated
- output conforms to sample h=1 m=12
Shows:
h=2 m=44
